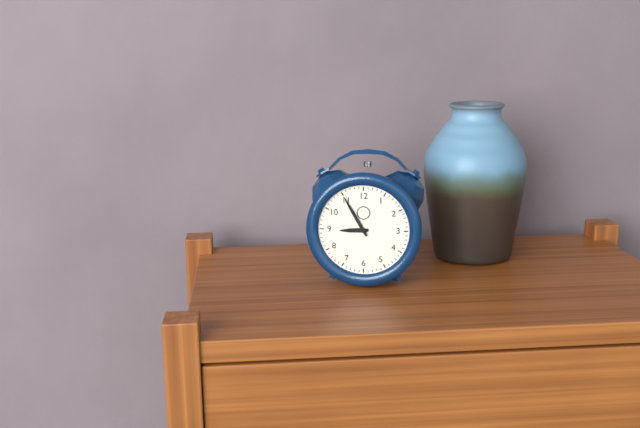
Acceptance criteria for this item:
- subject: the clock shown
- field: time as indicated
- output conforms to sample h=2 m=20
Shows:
h=8 m=55
